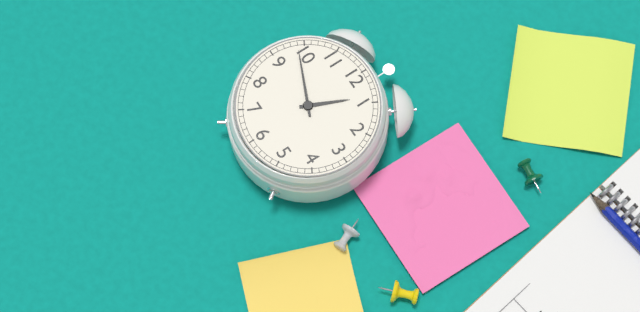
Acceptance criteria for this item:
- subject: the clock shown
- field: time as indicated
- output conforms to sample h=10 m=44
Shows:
h=12 m=49
